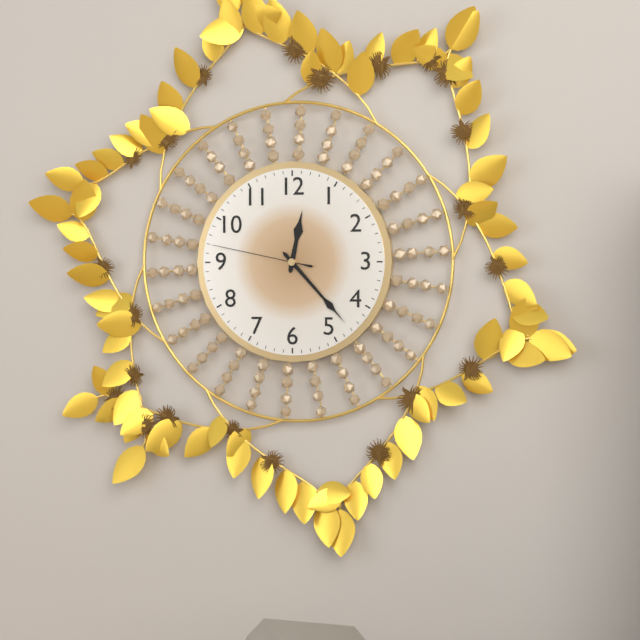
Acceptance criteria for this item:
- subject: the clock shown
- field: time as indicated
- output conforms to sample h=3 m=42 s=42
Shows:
h=12 m=23 s=47
